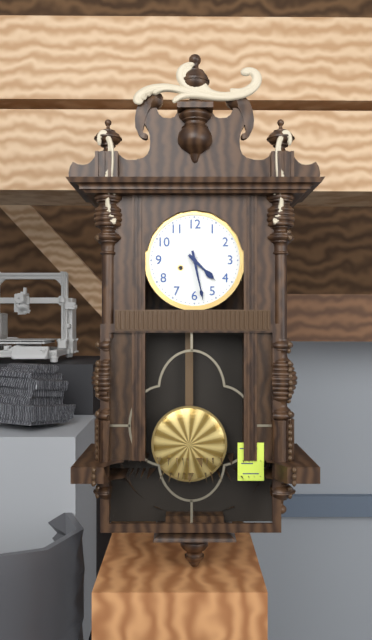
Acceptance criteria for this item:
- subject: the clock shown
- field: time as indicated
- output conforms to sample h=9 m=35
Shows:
h=4 m=28
